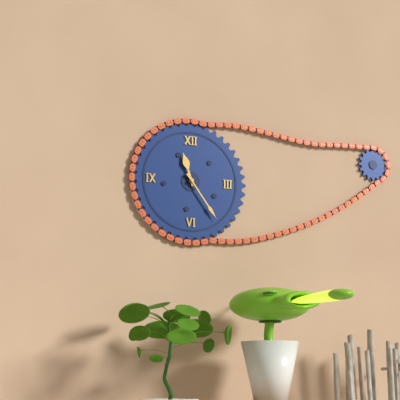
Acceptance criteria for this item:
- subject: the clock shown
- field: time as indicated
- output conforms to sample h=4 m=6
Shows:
h=11 m=24
